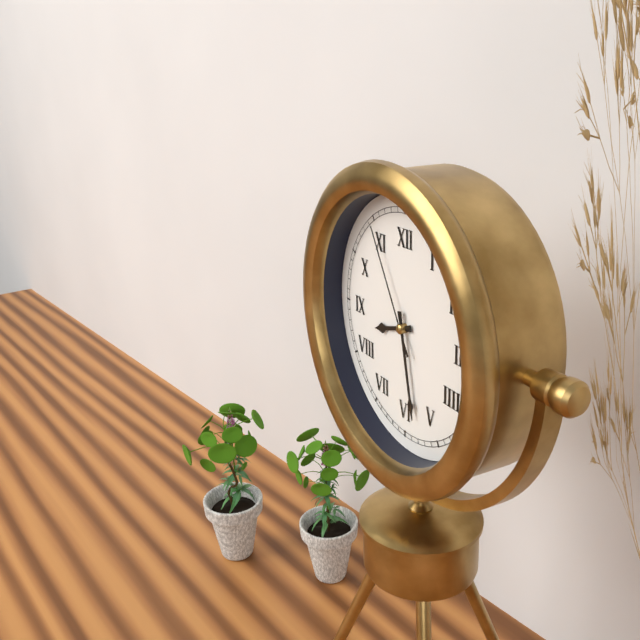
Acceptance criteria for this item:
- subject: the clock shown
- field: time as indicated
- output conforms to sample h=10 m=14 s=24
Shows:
h=8 m=28 s=55
